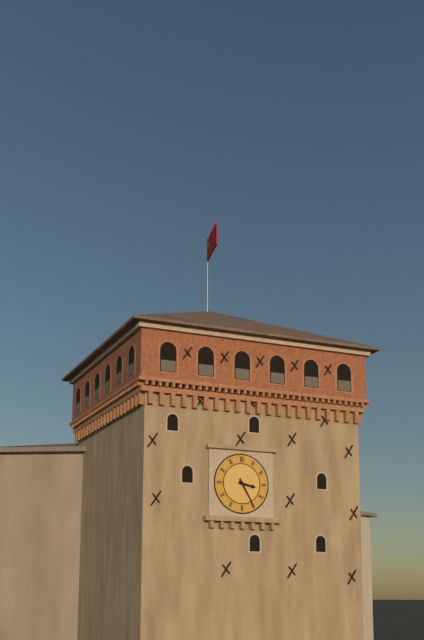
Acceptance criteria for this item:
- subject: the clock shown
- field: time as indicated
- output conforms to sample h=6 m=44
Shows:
h=3 m=25
